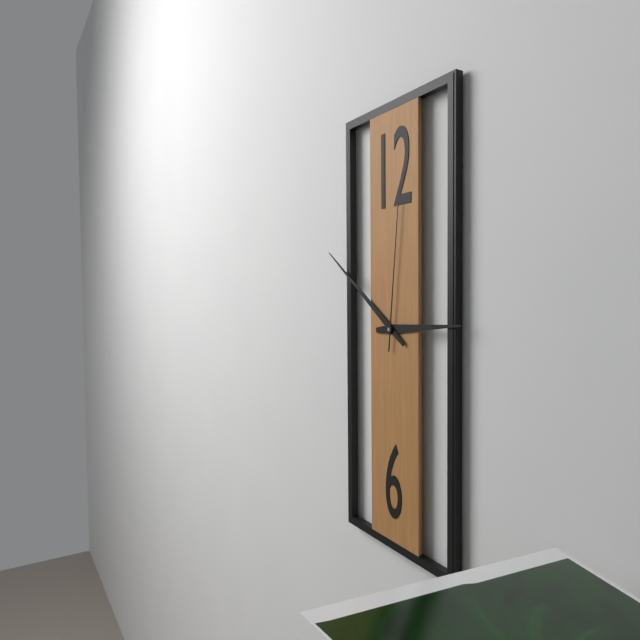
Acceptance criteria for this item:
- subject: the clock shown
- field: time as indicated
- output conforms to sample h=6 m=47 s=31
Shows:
h=2 m=51 s=1
